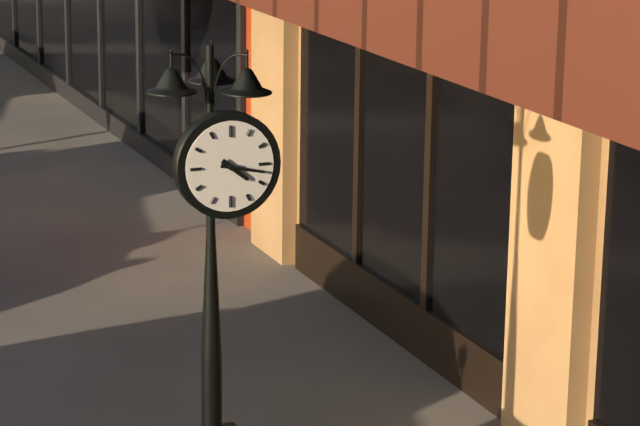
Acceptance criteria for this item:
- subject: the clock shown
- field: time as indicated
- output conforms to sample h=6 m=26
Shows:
h=4 m=17
